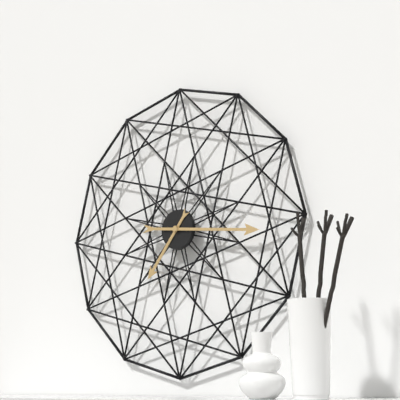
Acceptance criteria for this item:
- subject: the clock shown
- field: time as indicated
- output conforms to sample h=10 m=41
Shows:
h=7 m=16
